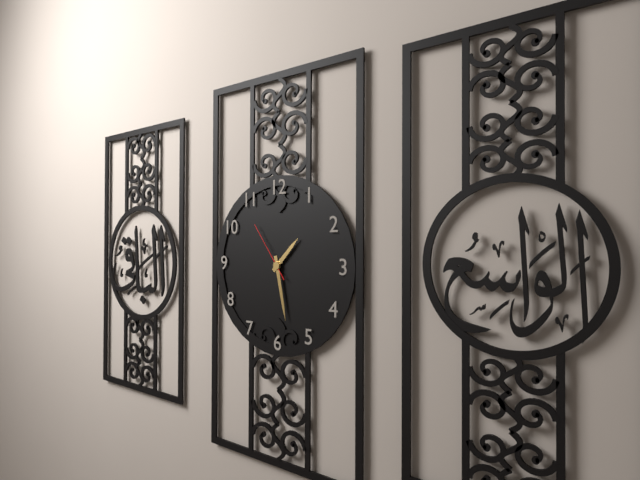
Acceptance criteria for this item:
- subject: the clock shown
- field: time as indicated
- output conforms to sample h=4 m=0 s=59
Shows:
h=1 m=28 s=54
